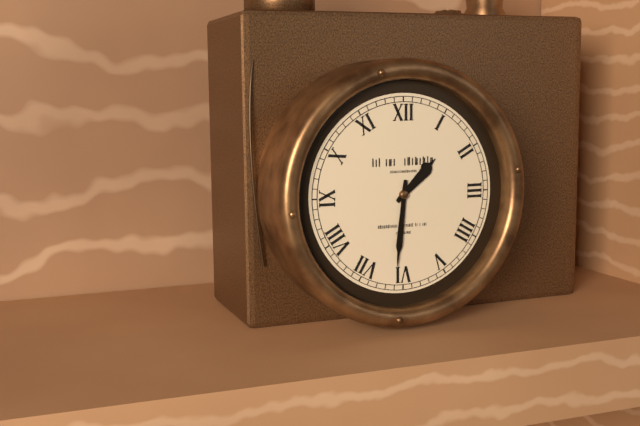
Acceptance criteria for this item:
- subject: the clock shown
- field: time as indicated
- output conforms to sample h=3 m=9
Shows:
h=1 m=31
